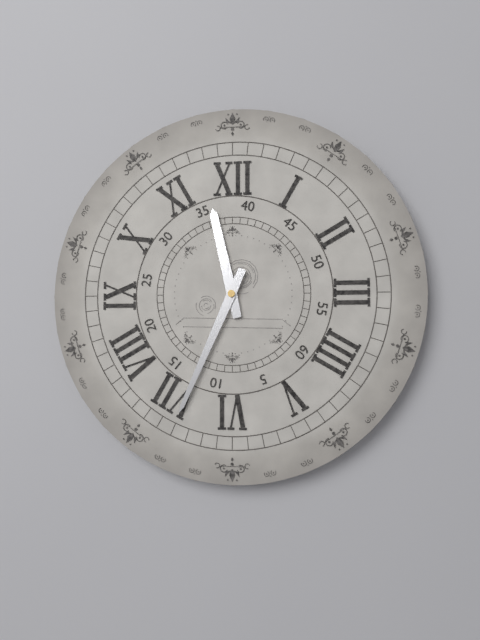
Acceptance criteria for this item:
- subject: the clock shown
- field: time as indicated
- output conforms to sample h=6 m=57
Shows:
h=11 m=34
